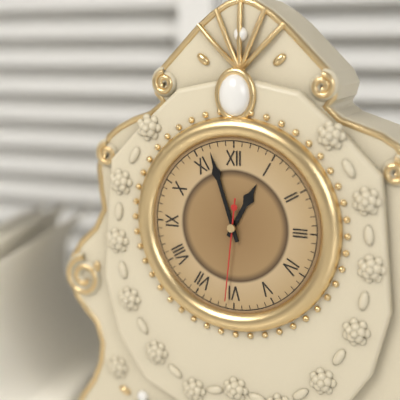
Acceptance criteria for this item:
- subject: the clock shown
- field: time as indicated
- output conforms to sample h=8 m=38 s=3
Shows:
h=12 m=57 s=31
